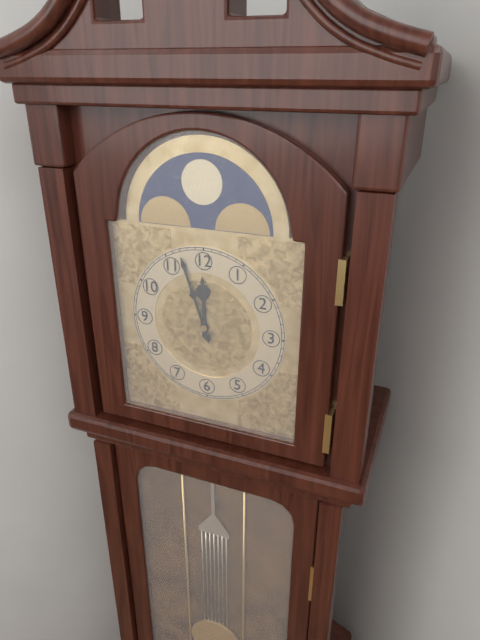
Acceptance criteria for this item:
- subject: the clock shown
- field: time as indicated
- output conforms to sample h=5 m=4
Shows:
h=11 m=57
